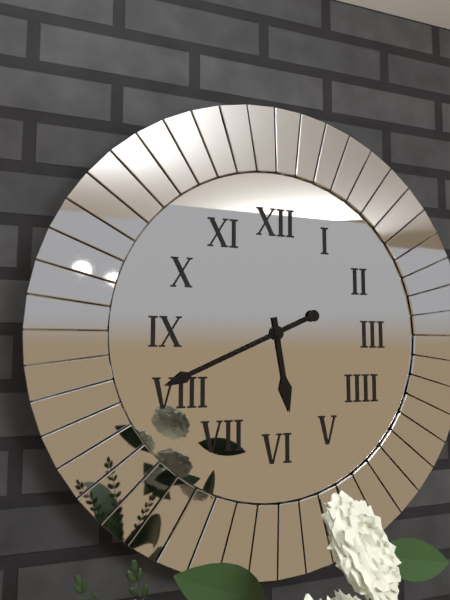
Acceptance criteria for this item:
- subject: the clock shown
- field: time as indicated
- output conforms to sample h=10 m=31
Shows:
h=5 m=41
